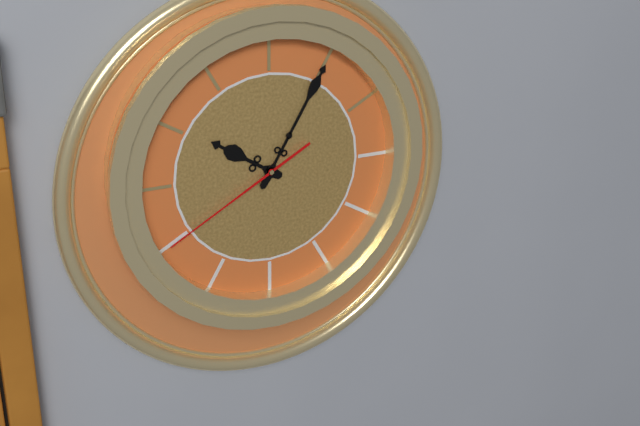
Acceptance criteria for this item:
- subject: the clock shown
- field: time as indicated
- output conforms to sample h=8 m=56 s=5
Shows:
h=10 m=5 s=40
